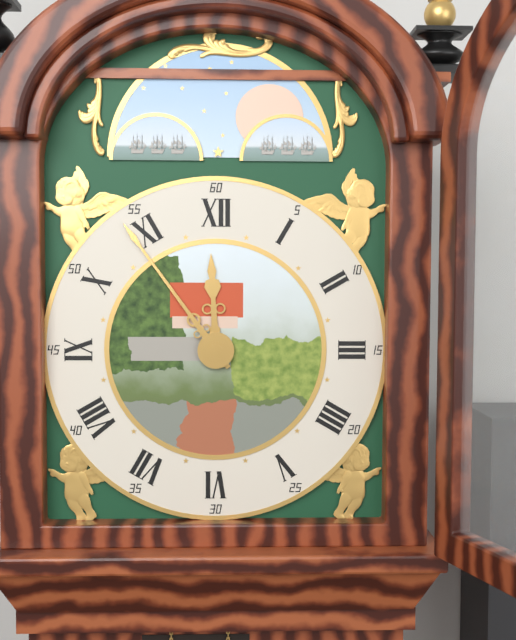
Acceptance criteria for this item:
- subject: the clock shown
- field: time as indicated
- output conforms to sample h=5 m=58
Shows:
h=11 m=54
